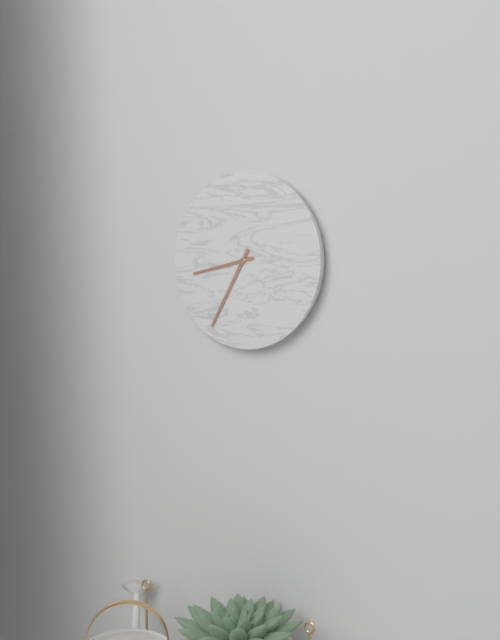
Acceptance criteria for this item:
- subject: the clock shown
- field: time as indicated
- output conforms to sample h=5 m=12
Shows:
h=8 m=35
